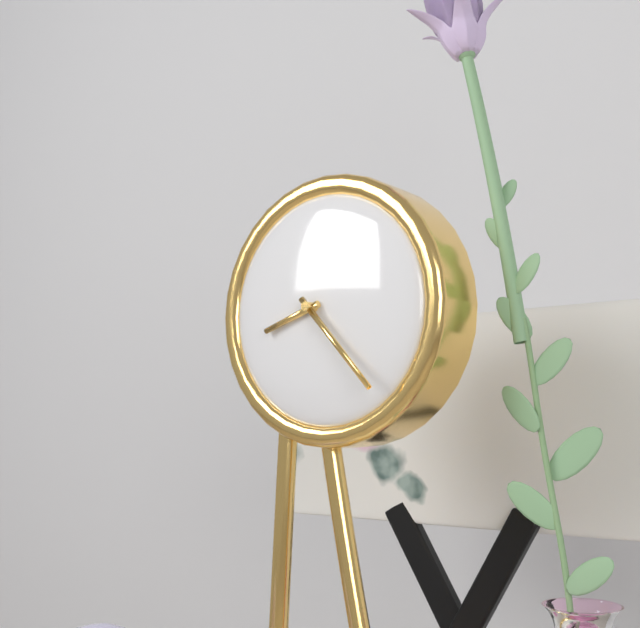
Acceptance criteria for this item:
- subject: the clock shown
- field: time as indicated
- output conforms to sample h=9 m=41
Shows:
h=8 m=23
